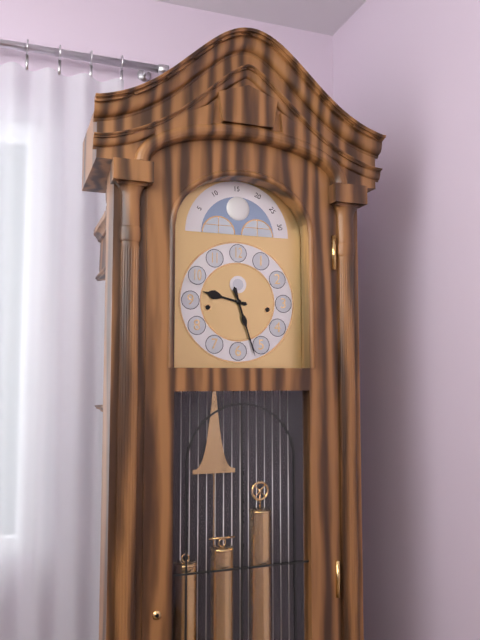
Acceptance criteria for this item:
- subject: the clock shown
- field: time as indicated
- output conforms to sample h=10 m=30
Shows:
h=9 m=27
